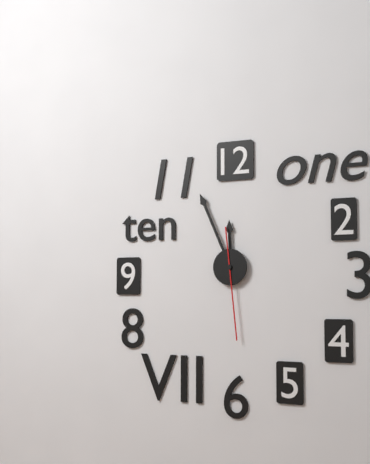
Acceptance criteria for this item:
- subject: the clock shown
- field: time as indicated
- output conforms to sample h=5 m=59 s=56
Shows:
h=11 m=56 s=29
